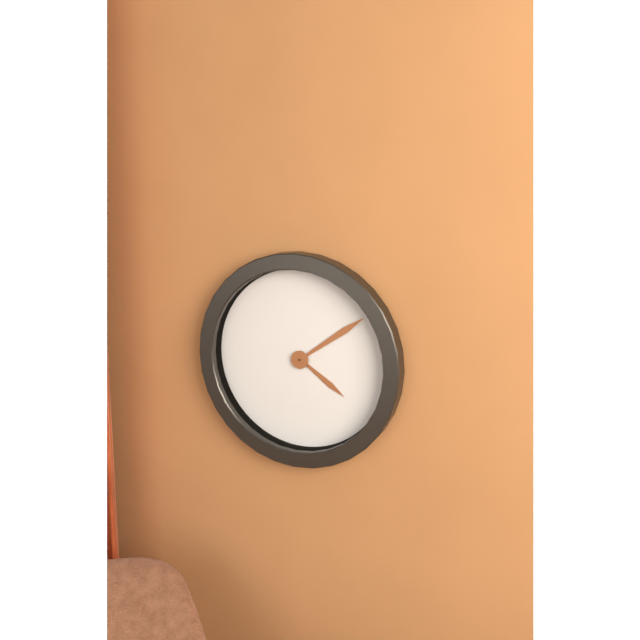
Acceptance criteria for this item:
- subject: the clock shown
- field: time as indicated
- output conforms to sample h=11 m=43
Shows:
h=4 m=9
